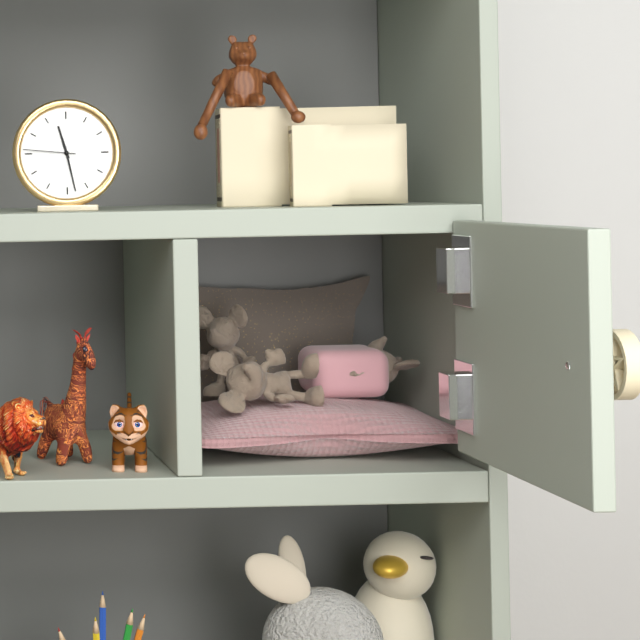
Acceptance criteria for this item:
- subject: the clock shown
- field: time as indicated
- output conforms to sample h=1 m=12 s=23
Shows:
h=11 m=28 s=46
